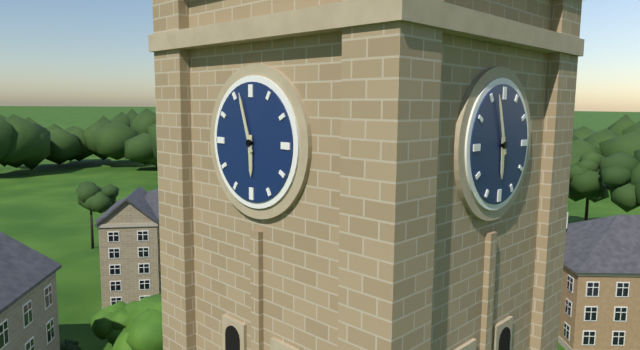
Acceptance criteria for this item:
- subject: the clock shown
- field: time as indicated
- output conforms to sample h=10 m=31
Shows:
h=5 m=57
